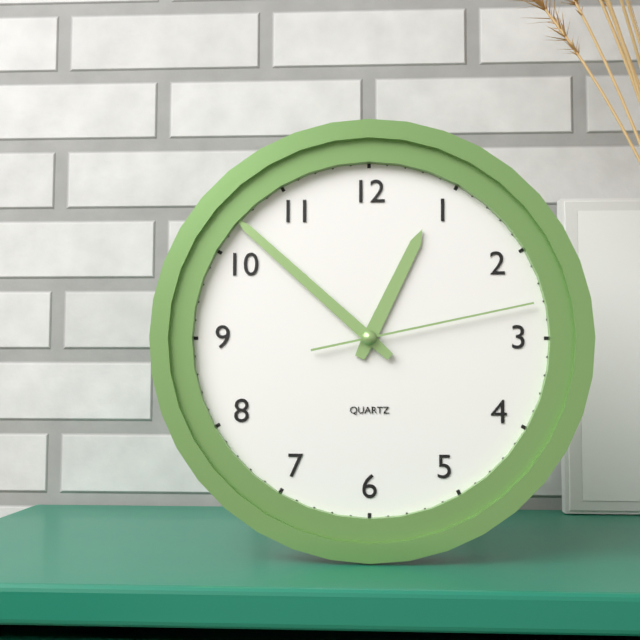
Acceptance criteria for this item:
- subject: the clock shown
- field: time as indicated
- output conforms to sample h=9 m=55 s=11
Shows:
h=12 m=52 s=13
